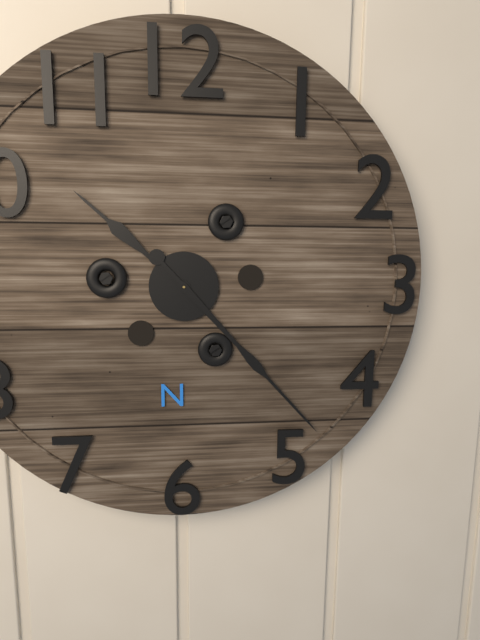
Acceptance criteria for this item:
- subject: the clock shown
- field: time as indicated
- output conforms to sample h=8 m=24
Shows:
h=10 m=23
